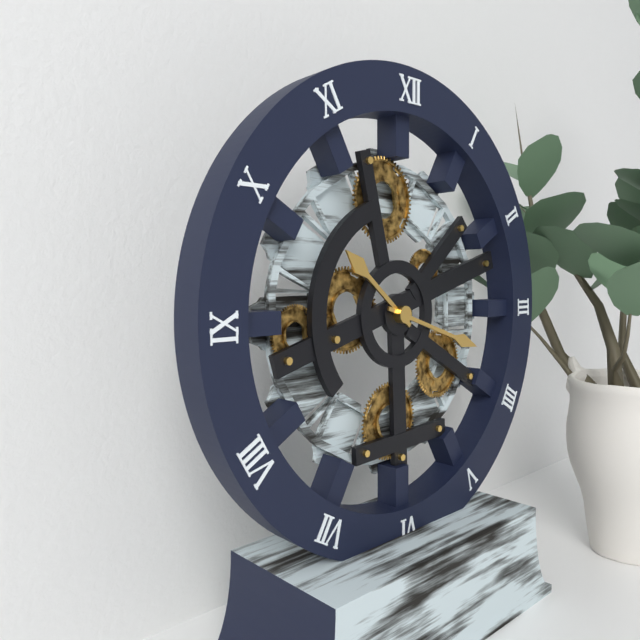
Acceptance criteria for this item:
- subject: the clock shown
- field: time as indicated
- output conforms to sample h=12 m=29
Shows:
h=10 m=18
